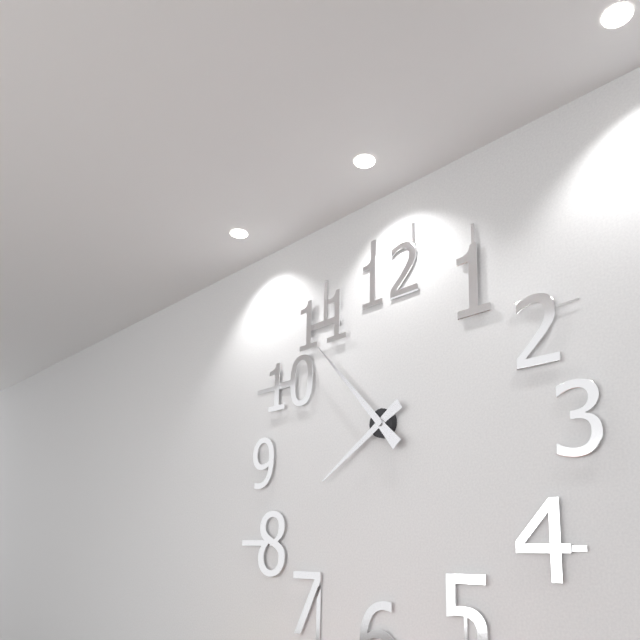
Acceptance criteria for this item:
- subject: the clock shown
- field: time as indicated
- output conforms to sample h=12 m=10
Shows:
h=7 m=53
